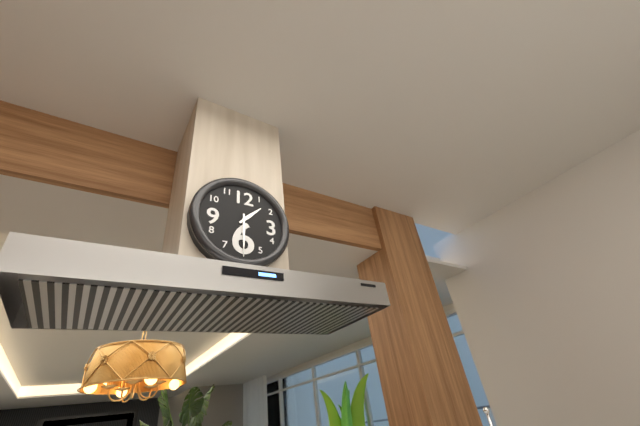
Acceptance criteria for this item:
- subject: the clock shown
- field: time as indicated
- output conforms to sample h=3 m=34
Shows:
h=1 m=30
